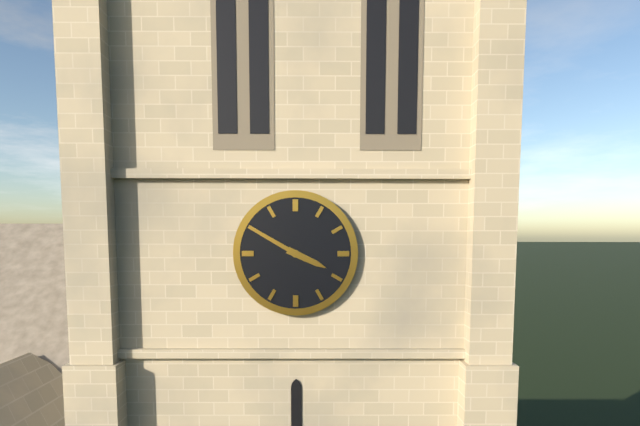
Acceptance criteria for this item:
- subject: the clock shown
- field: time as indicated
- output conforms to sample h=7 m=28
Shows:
h=3 m=50
